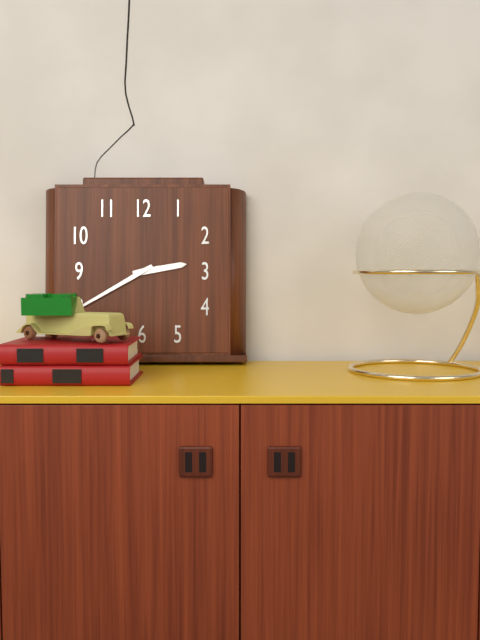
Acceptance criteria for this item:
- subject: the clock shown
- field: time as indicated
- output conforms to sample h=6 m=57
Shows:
h=2 m=40
